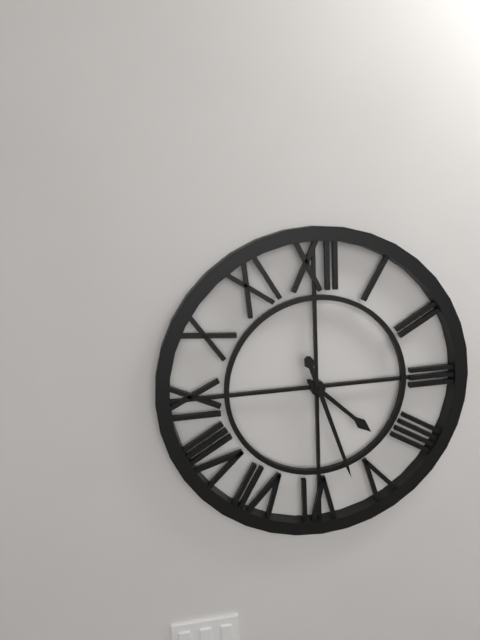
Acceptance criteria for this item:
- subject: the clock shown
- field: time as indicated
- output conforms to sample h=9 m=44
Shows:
h=4 m=27
